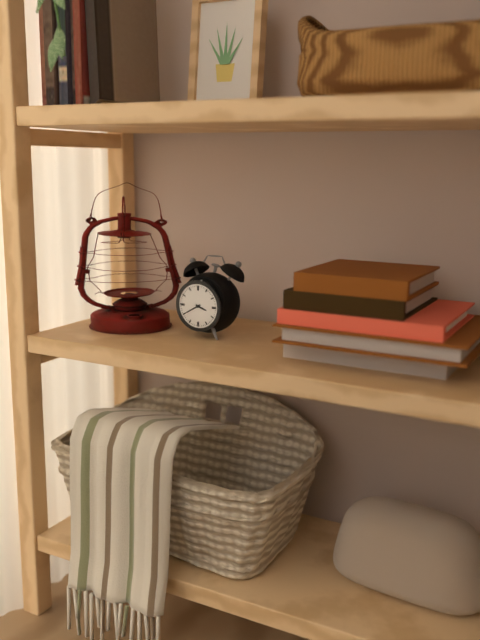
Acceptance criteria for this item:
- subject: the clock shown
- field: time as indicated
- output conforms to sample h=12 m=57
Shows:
h=3 m=40
